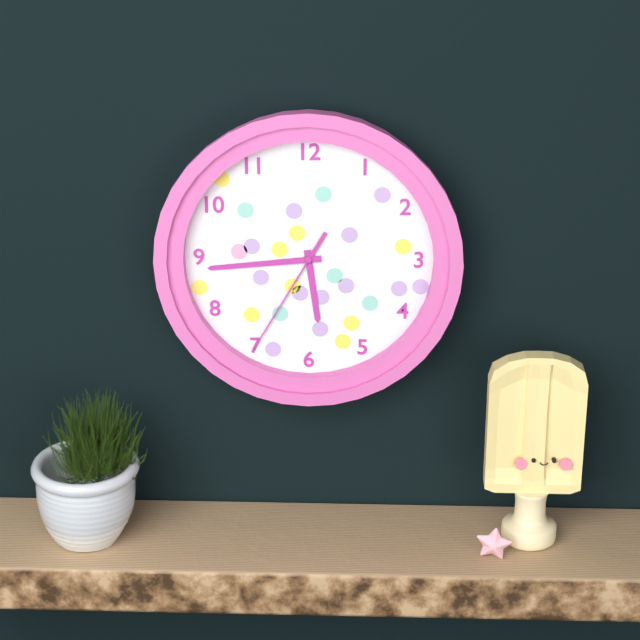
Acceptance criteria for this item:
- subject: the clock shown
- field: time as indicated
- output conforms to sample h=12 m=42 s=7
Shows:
h=5 m=44 s=35
